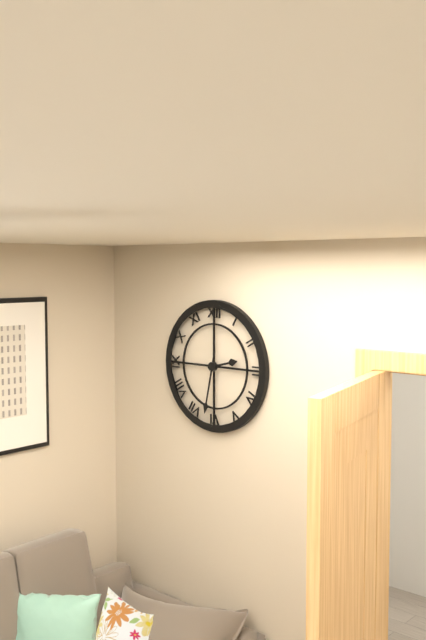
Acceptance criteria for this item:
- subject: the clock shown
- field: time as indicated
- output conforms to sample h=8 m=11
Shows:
h=2 m=32
